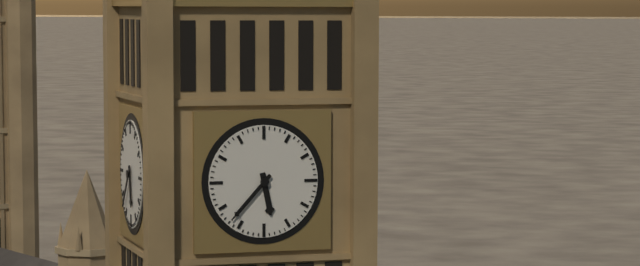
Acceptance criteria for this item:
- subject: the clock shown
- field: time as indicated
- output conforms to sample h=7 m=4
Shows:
h=5 m=37
